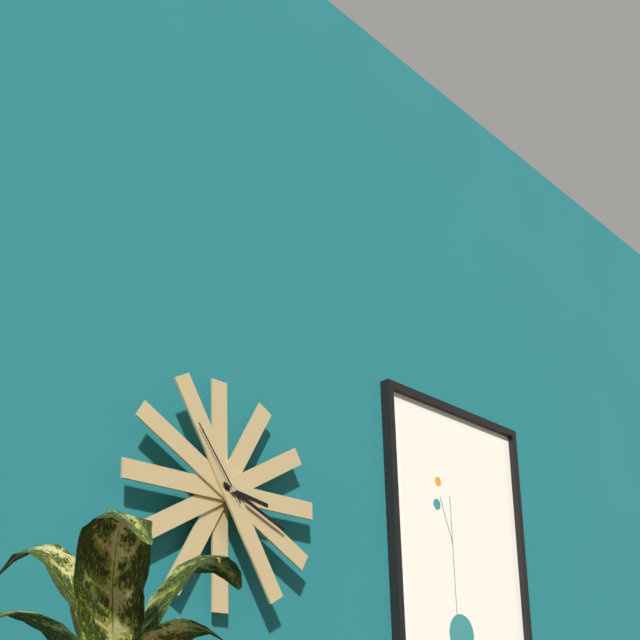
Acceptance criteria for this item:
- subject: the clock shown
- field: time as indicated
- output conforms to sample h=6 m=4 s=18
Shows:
h=3 m=19 s=54
